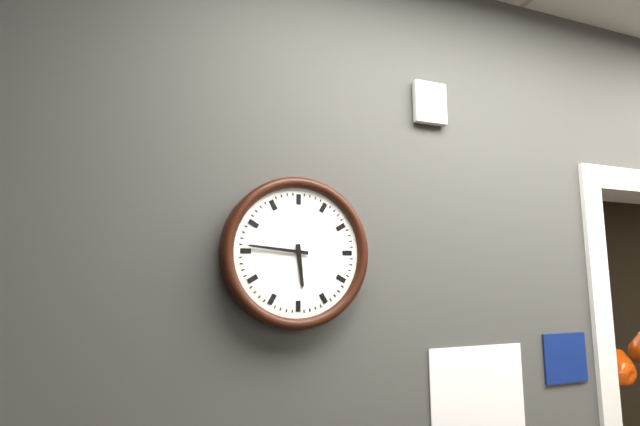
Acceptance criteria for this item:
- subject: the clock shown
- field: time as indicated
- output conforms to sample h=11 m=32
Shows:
h=5 m=46
